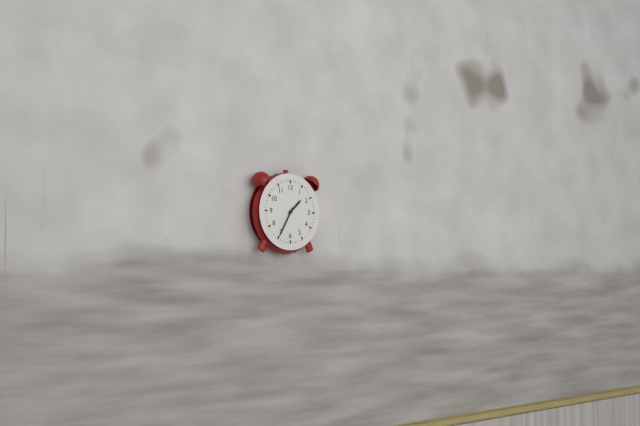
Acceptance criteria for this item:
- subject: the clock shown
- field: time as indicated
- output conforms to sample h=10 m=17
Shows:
h=1 m=35
